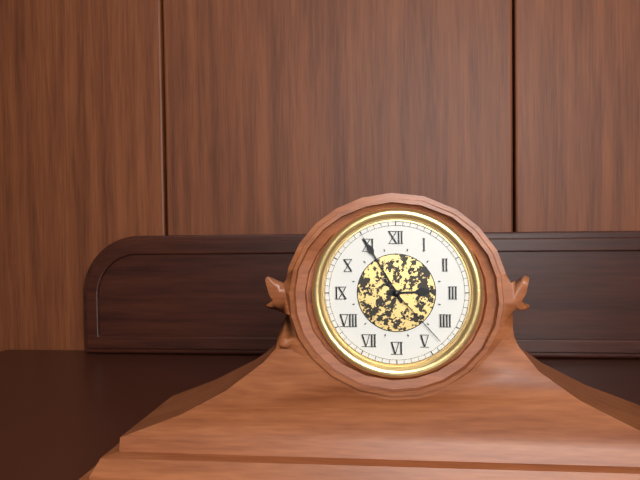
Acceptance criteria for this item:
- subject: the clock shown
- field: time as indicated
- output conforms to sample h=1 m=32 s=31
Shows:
h=2 m=55 s=23
